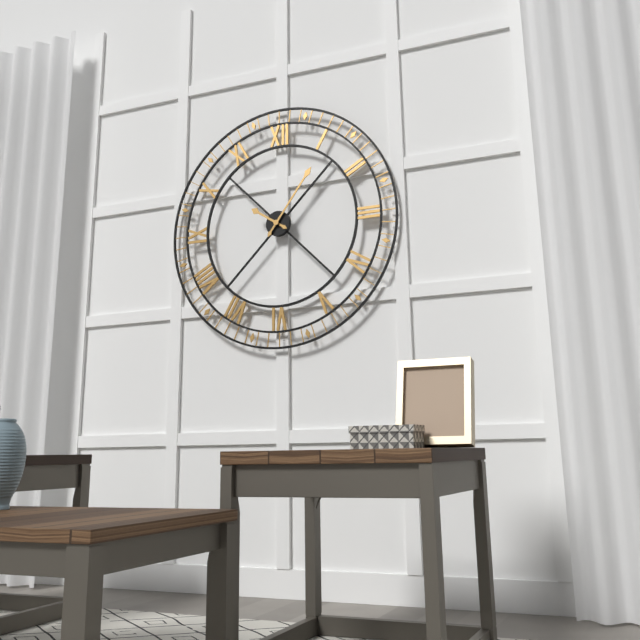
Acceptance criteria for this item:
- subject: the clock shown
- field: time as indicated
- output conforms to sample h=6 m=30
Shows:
h=10 m=6
